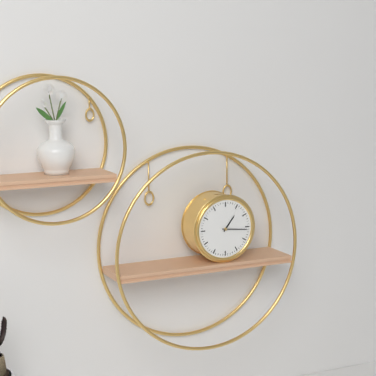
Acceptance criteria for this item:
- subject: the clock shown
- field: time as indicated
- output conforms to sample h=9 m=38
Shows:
h=1 m=16
